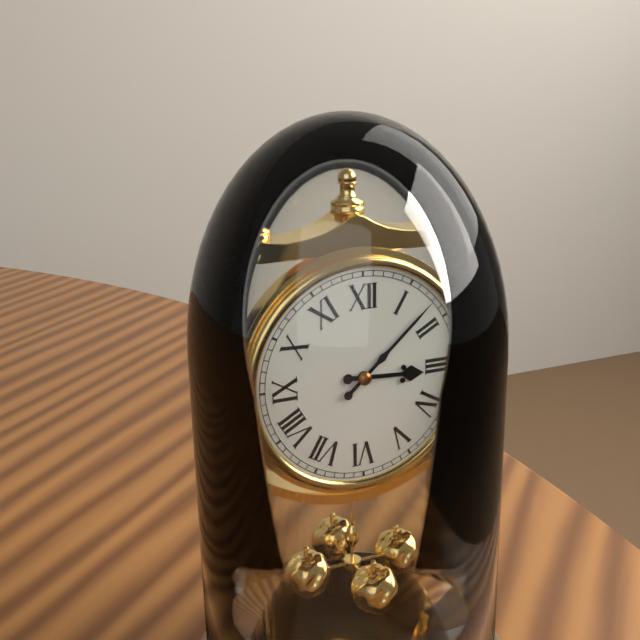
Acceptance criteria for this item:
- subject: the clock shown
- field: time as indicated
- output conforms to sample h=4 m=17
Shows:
h=3 m=8
